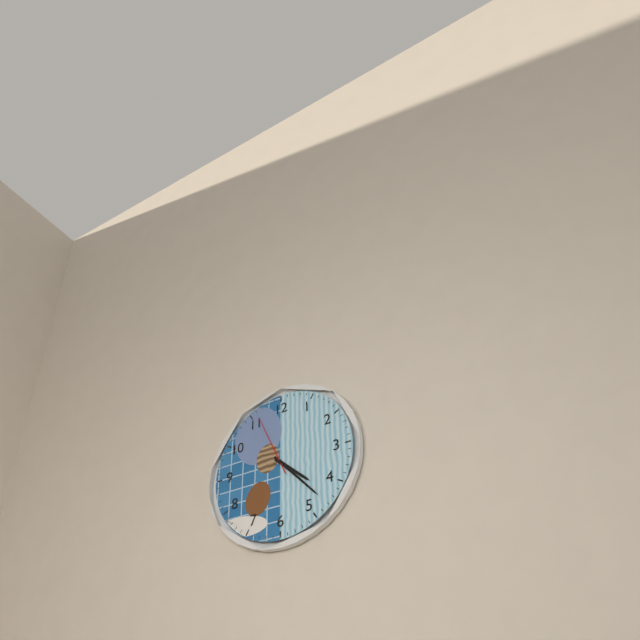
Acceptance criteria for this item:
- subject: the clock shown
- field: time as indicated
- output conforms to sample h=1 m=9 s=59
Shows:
h=4 m=23 s=56
